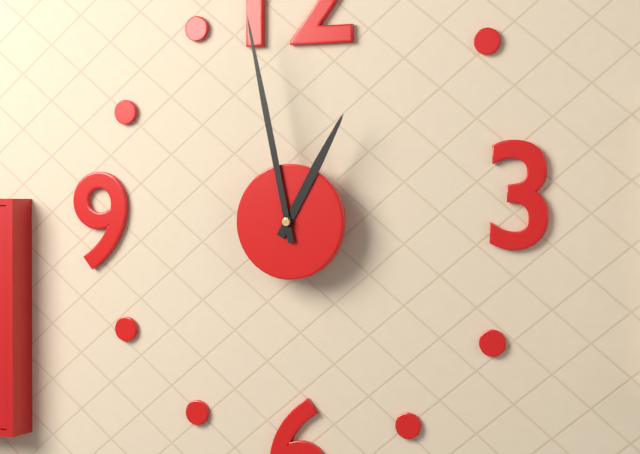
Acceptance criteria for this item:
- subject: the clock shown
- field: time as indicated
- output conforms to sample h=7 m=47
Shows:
h=12 m=58
